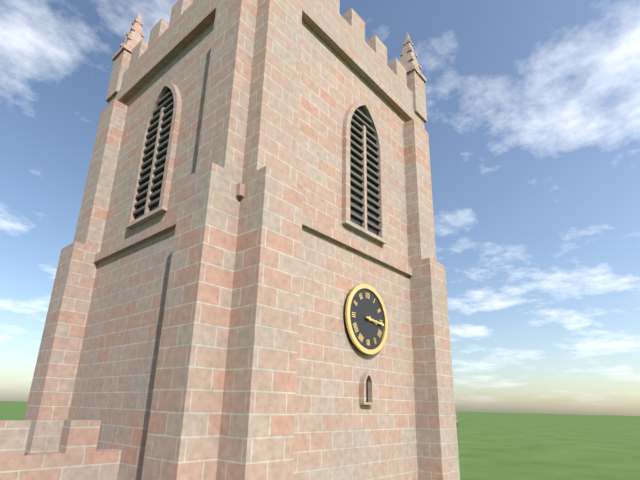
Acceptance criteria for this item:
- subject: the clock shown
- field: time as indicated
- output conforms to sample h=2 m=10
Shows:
h=3 m=16
